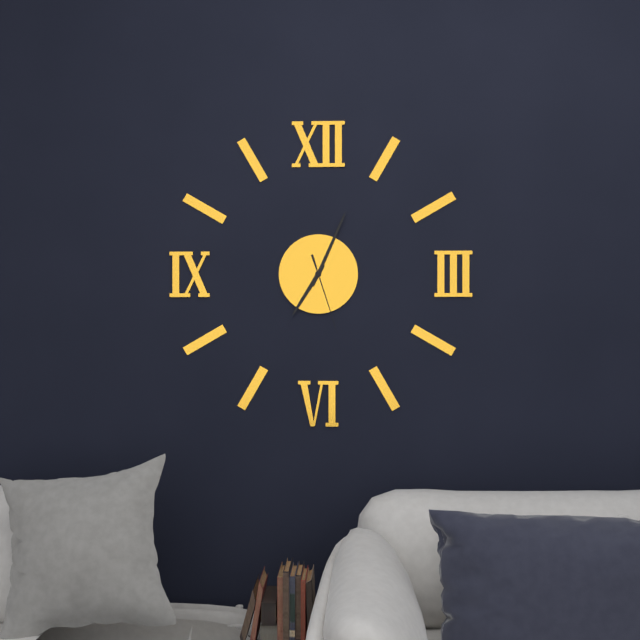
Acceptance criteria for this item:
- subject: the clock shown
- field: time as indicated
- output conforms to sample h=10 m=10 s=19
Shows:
h=7 m=4 s=27
